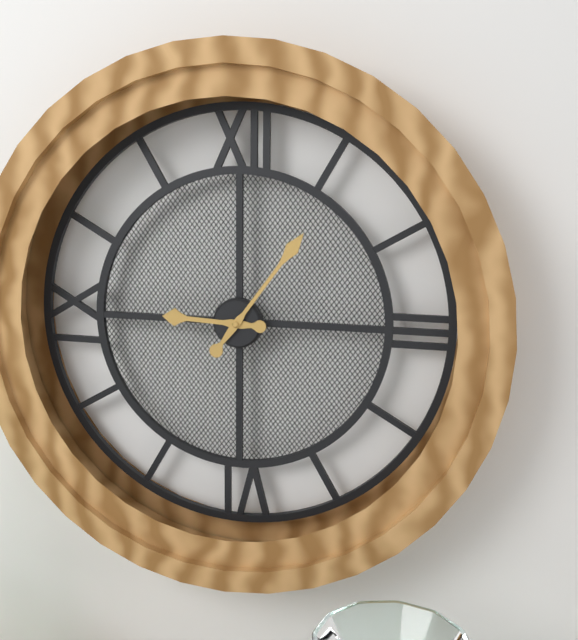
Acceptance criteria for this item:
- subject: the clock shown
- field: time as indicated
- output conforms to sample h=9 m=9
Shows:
h=9 m=6
